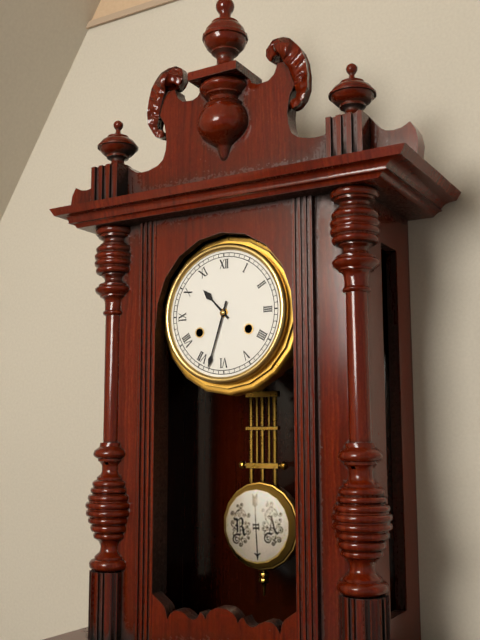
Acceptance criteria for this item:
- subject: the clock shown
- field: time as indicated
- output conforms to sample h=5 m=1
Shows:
h=10 m=33
